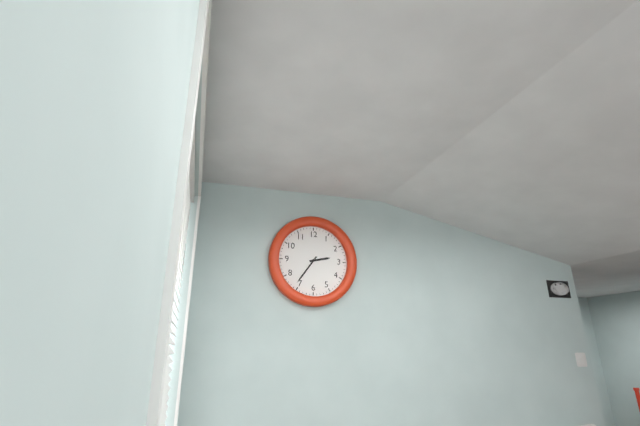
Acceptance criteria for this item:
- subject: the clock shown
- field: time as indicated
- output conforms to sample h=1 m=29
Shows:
h=2 m=36
